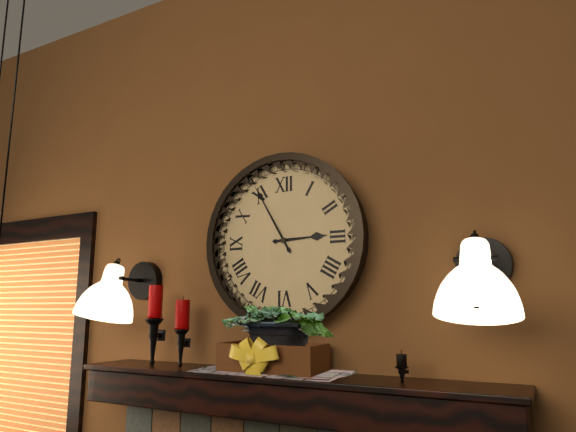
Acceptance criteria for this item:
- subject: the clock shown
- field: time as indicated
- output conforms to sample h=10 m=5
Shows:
h=2 m=55
